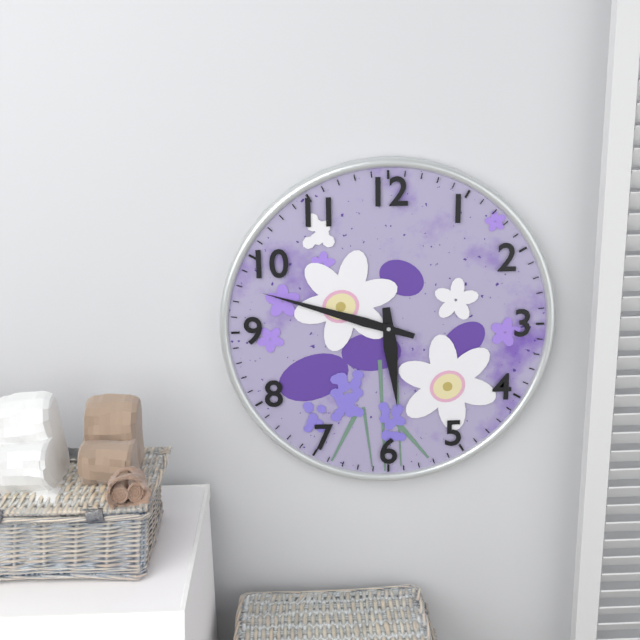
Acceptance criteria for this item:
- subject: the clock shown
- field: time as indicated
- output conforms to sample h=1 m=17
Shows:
h=5 m=48
